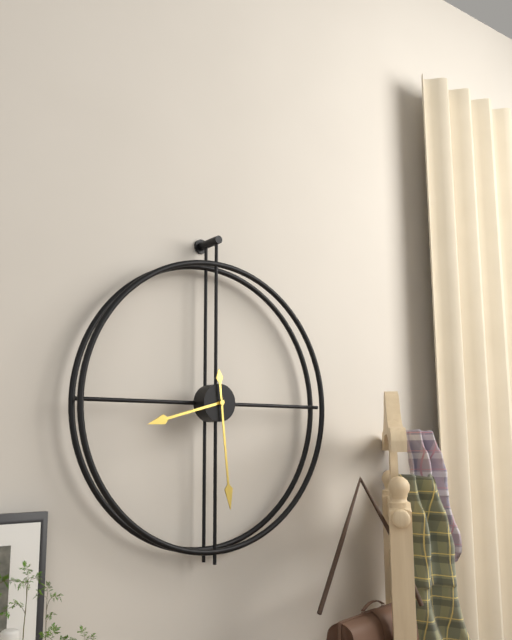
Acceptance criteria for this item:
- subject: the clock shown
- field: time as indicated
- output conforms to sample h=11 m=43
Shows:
h=8 m=29
